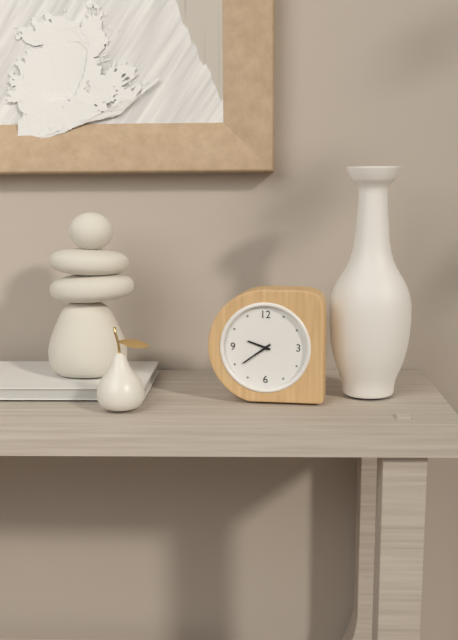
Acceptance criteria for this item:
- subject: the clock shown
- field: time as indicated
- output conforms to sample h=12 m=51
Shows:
h=9 m=39
